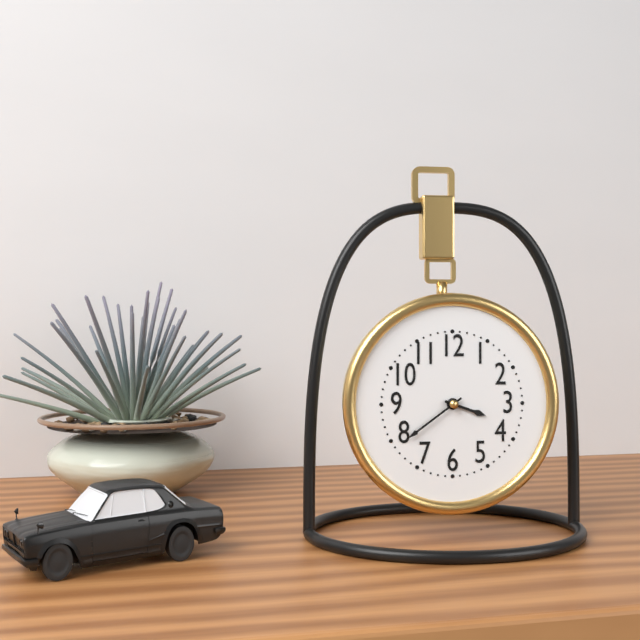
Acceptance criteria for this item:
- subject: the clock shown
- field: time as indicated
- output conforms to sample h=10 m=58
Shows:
h=3 m=39
